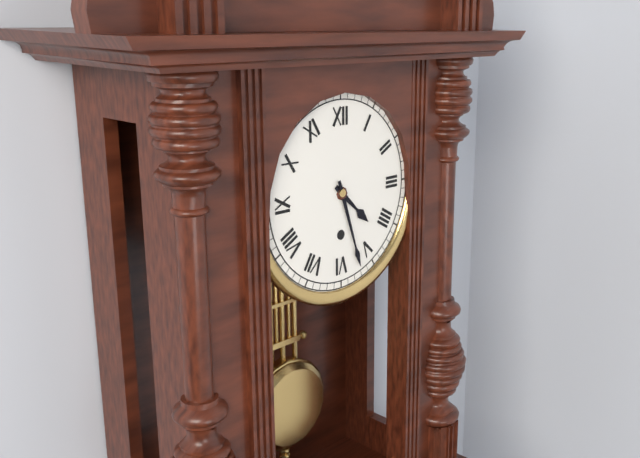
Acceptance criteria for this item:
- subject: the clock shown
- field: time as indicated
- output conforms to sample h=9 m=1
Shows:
h=4 m=27
